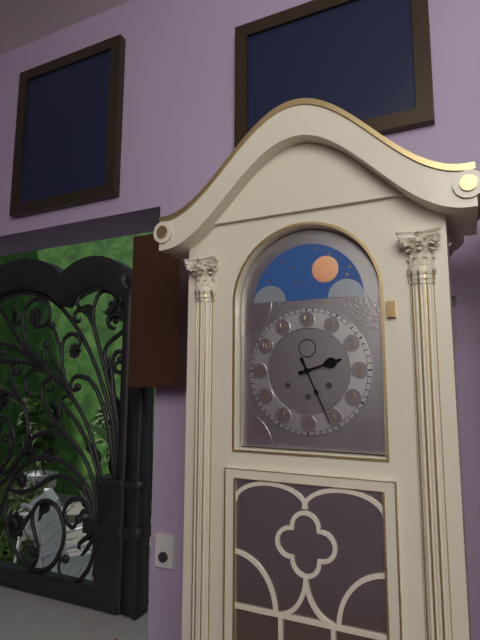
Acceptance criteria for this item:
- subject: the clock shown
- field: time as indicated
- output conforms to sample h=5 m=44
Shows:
h=2 m=26
